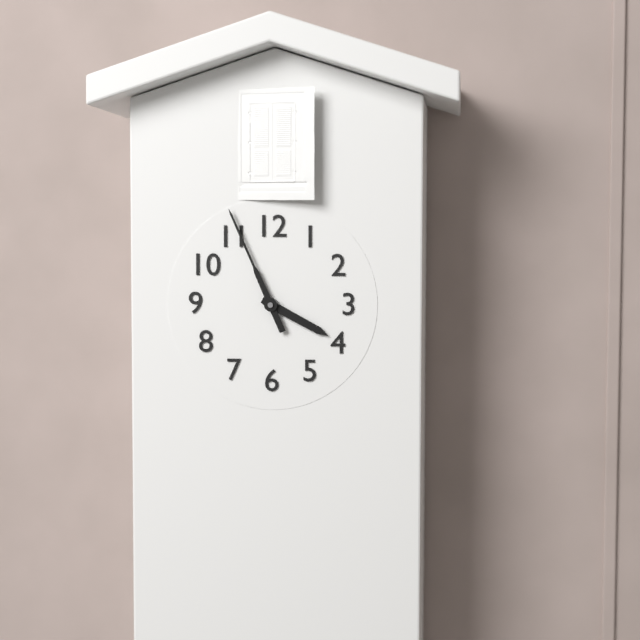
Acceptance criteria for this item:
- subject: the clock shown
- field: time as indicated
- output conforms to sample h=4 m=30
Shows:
h=3 m=56
